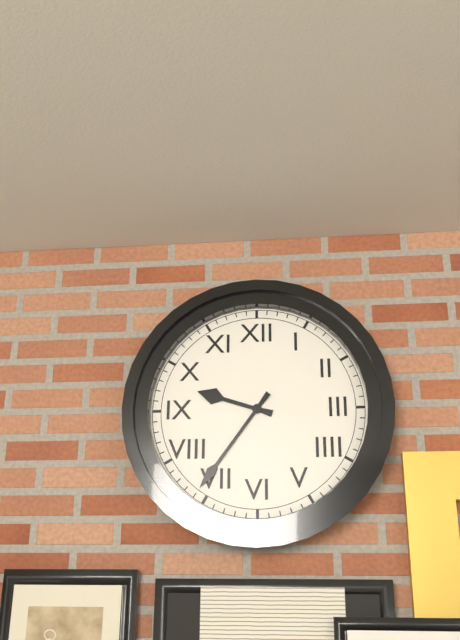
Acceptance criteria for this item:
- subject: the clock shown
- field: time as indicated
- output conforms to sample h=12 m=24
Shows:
h=9 m=36
